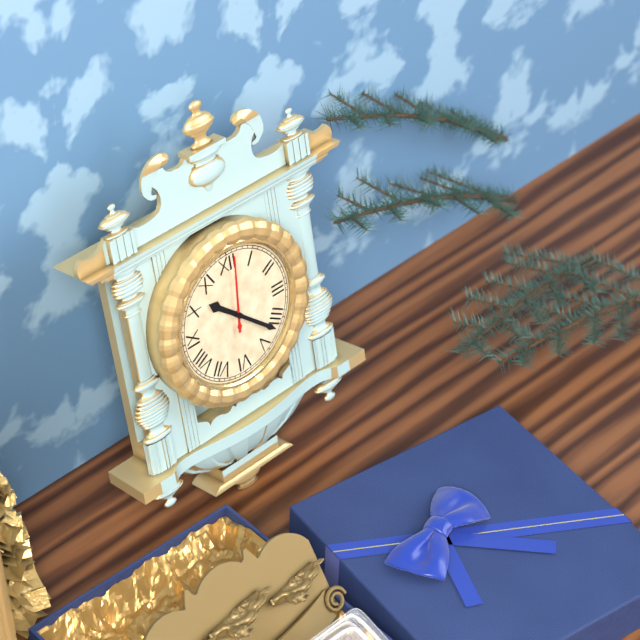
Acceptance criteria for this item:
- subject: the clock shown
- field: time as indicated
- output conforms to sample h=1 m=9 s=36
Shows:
h=10 m=22 s=1
